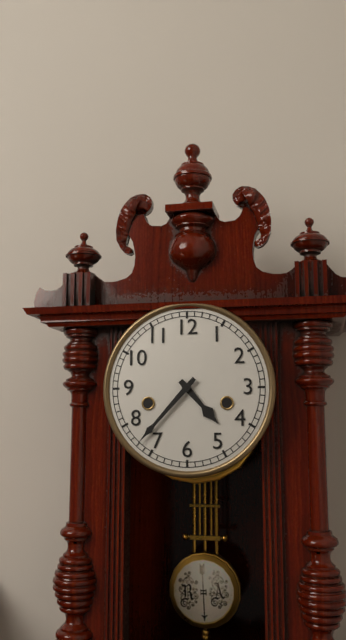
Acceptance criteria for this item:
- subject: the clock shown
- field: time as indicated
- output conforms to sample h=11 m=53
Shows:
h=4 m=37
